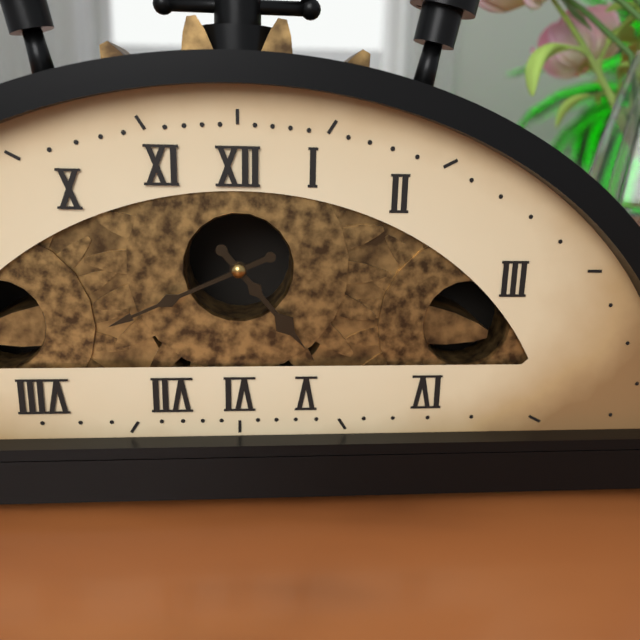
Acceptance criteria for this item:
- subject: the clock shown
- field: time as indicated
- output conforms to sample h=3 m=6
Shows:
h=4 m=41
